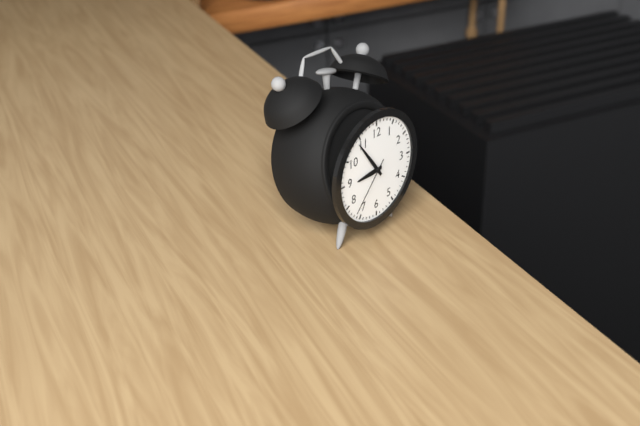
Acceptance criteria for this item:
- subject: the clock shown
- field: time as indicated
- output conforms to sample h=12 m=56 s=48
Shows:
h=8 m=54 s=37
